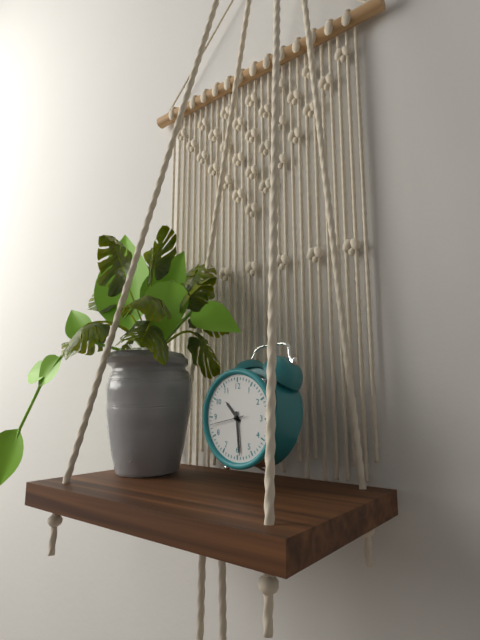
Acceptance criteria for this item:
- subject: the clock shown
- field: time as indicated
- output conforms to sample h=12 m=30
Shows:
h=10 m=29
